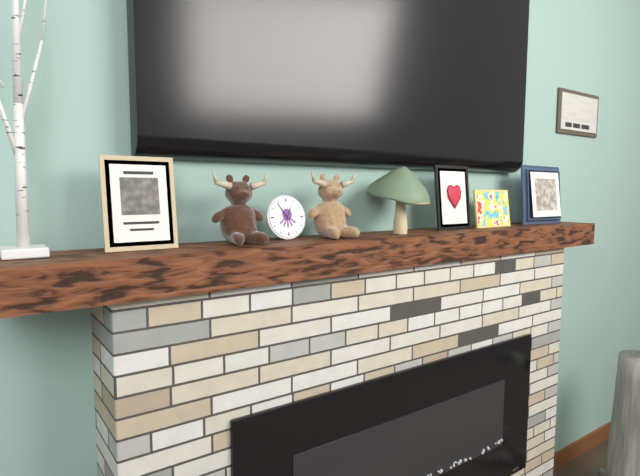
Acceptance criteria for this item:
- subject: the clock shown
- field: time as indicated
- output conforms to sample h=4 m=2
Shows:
h=12 m=54
